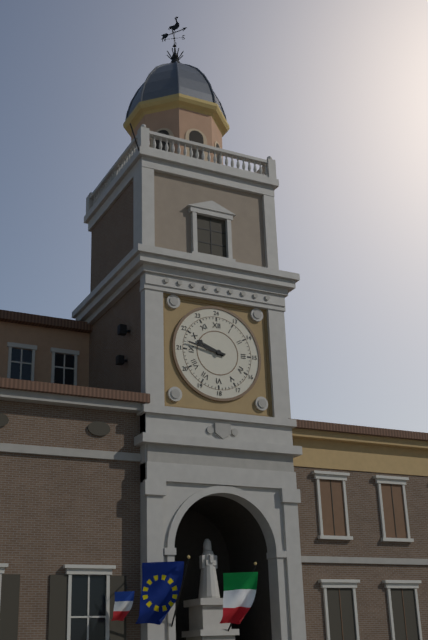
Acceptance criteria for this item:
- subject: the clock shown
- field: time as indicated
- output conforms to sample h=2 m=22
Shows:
h=9 m=47
